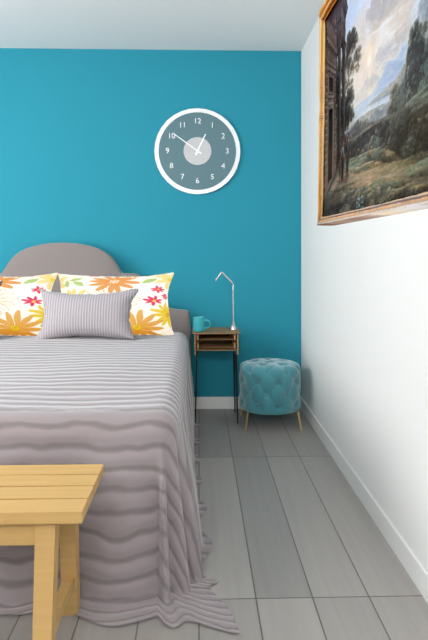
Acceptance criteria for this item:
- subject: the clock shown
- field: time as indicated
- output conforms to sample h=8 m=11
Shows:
h=12 m=51
